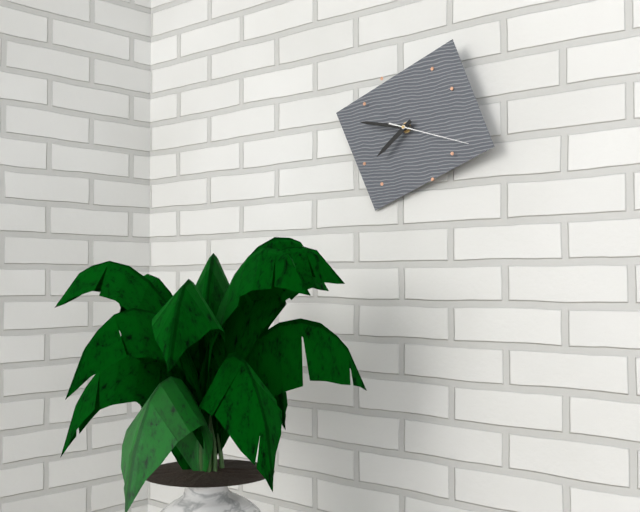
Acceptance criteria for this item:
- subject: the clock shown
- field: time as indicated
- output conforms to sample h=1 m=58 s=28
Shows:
h=7 m=47 s=18
